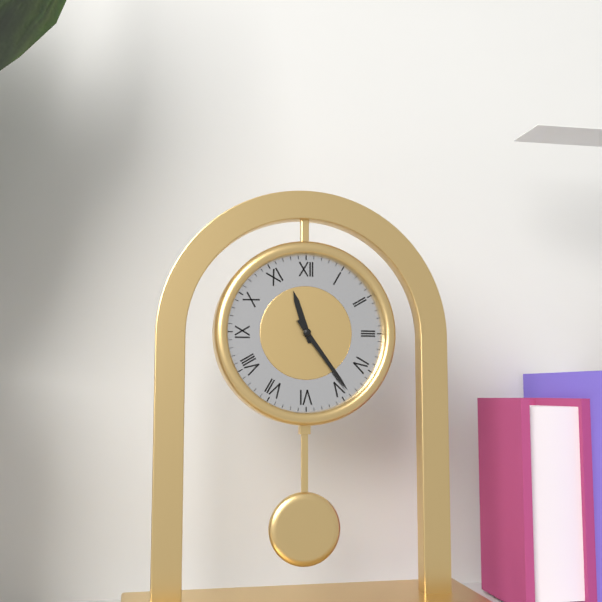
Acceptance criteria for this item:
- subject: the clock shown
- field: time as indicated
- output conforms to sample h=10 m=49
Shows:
h=11 m=24
